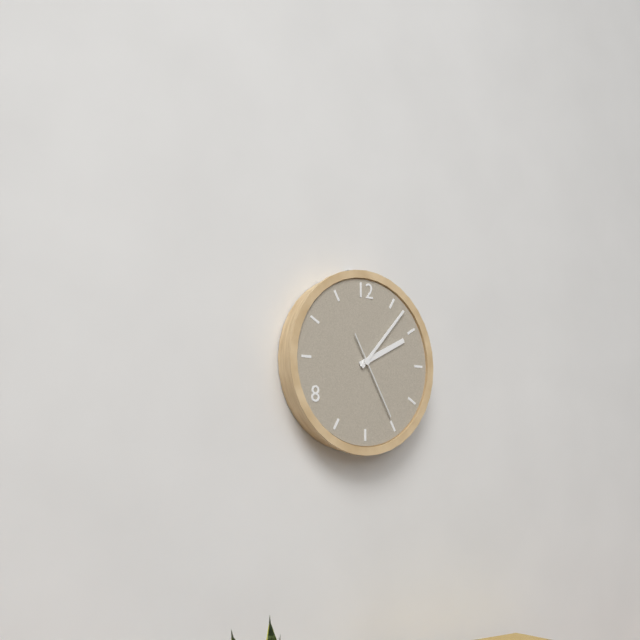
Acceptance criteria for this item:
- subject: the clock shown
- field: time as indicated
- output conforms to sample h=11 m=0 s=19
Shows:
h=2 m=7 s=25
